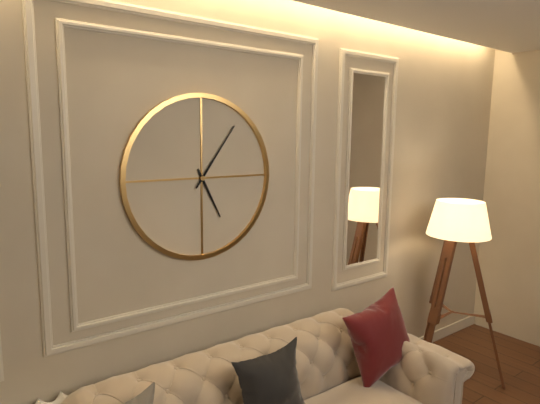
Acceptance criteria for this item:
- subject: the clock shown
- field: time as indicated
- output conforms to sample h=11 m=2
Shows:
h=5 m=6
